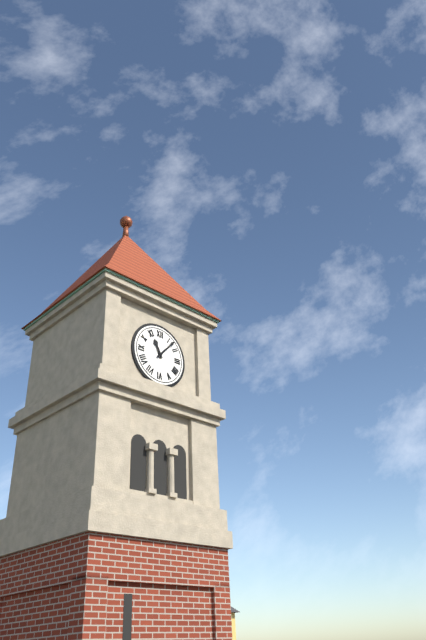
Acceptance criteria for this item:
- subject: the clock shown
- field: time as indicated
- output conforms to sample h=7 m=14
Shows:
h=11 m=7
